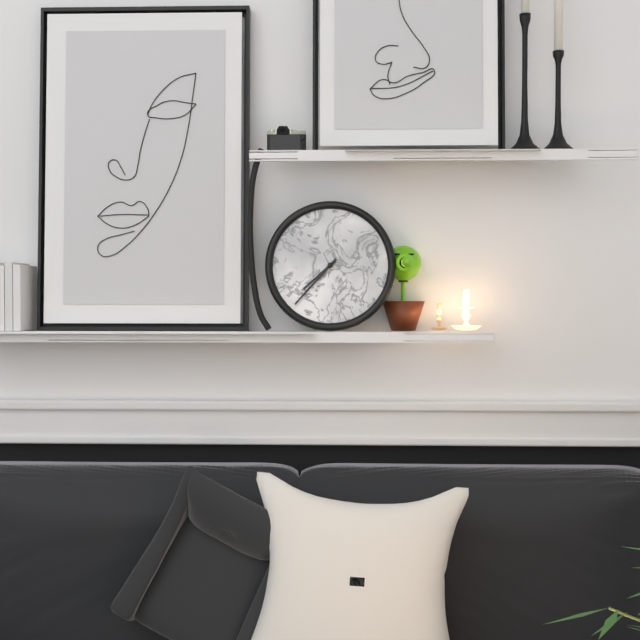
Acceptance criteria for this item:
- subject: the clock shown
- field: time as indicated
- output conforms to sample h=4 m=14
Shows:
h=7 m=37
